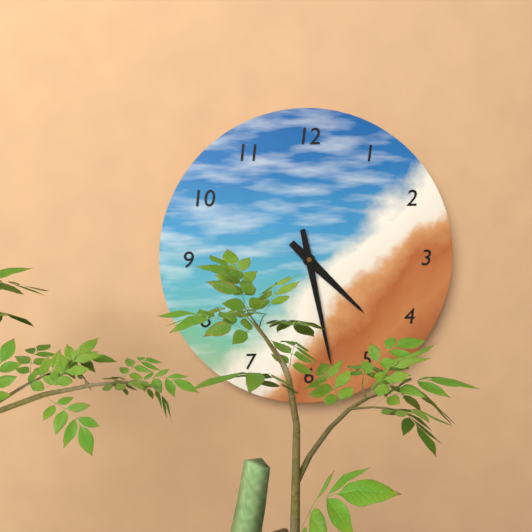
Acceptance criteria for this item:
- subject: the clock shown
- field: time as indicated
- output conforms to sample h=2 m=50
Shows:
h=4 m=28
